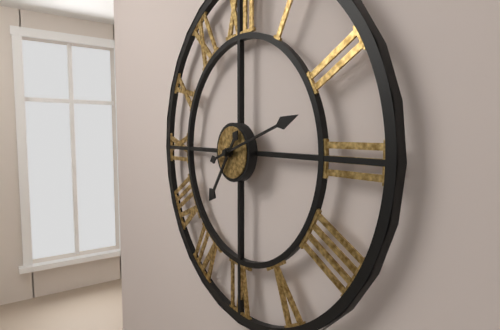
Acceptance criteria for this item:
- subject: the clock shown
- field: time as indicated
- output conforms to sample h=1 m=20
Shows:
h=7 m=12
